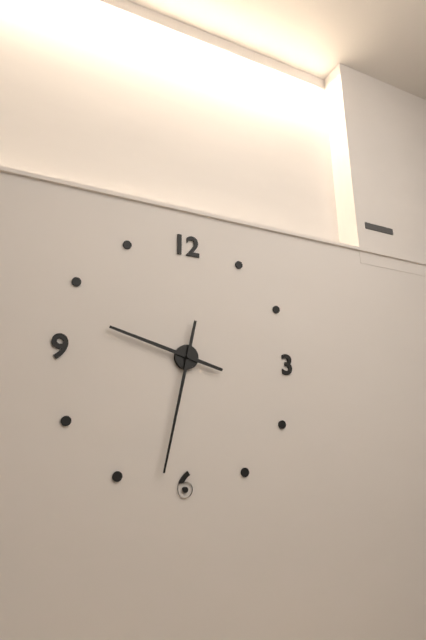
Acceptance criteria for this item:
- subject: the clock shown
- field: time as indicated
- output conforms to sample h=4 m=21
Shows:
h=9 m=32
